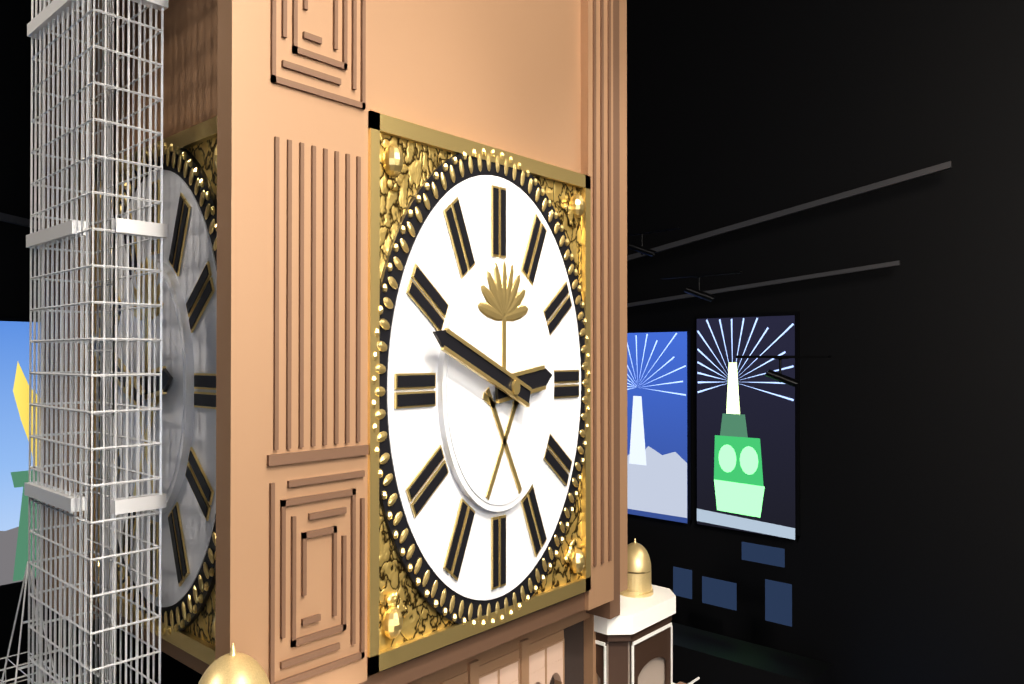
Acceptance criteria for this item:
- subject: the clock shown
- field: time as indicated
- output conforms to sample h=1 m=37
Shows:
h=2 m=48
